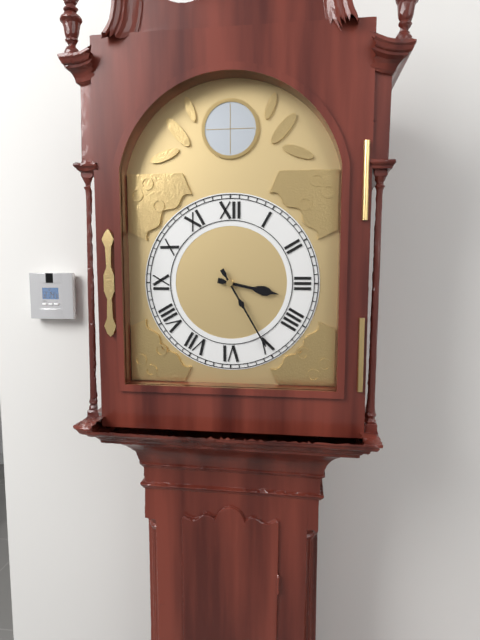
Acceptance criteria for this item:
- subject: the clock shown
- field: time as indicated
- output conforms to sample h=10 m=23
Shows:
h=3 m=25
